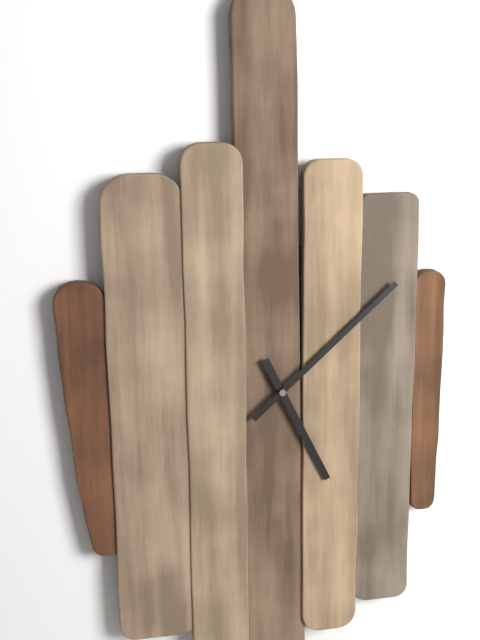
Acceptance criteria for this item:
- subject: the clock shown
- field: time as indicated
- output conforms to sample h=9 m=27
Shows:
h=5 m=8
